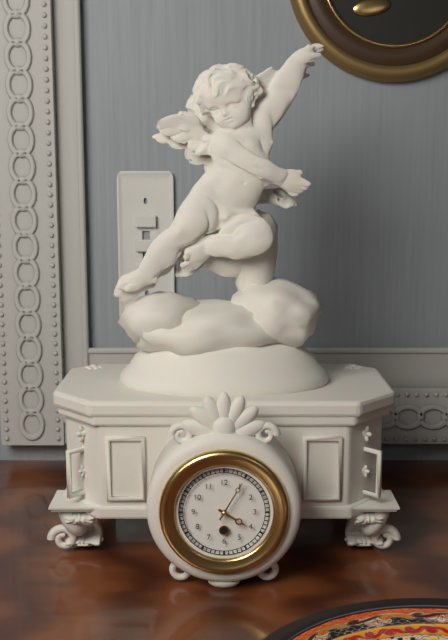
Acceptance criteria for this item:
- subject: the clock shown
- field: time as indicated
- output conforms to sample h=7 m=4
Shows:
h=4 m=5
